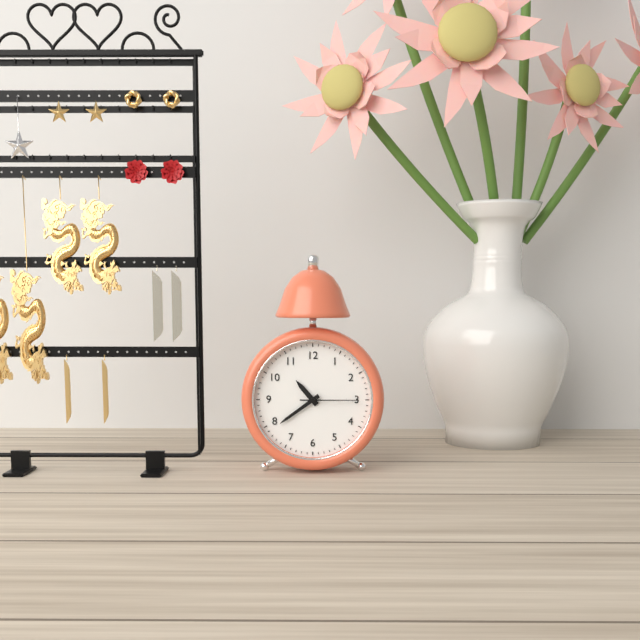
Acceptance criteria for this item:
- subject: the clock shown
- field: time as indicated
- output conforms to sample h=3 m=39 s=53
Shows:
h=10 m=39 s=15
